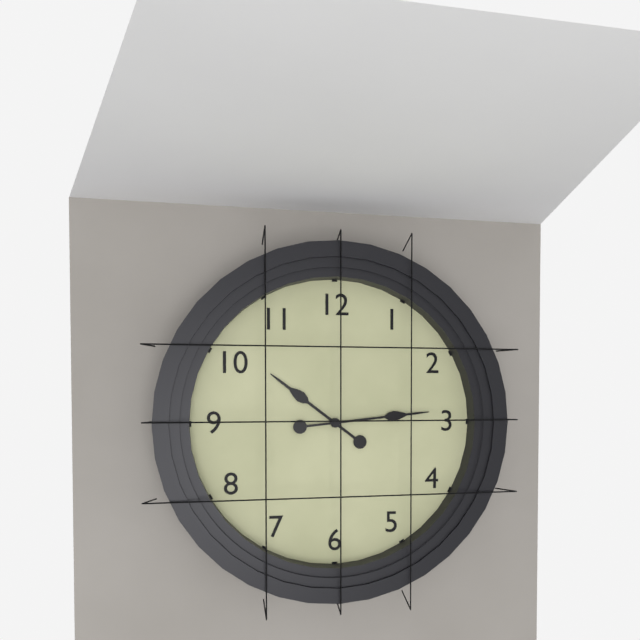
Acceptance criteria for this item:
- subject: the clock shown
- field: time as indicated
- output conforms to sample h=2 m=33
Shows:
h=10 m=14
